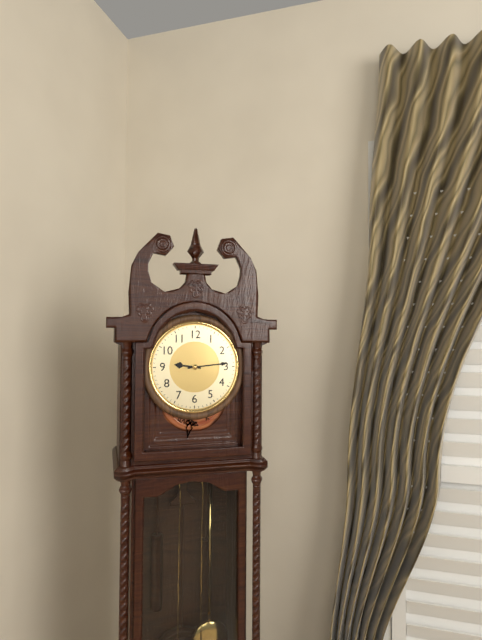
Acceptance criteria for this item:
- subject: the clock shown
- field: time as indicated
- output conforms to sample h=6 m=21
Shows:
h=9 m=14
